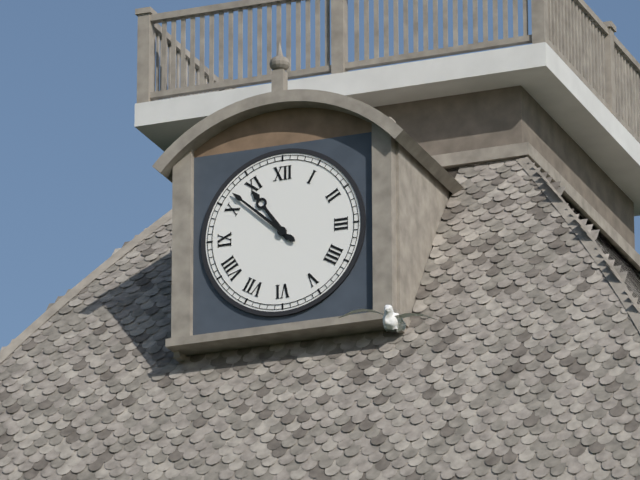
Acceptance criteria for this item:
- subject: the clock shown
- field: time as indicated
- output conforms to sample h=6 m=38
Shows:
h=10 m=52
